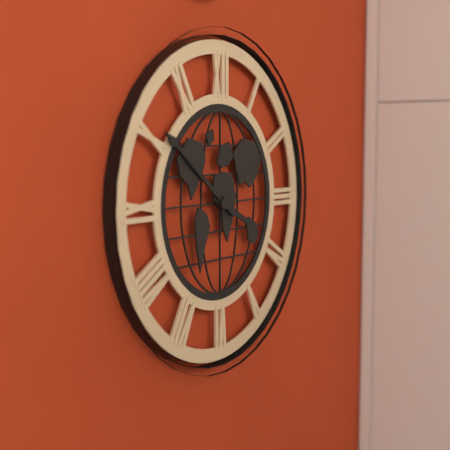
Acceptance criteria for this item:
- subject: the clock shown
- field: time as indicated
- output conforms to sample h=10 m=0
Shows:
h=3 m=51
